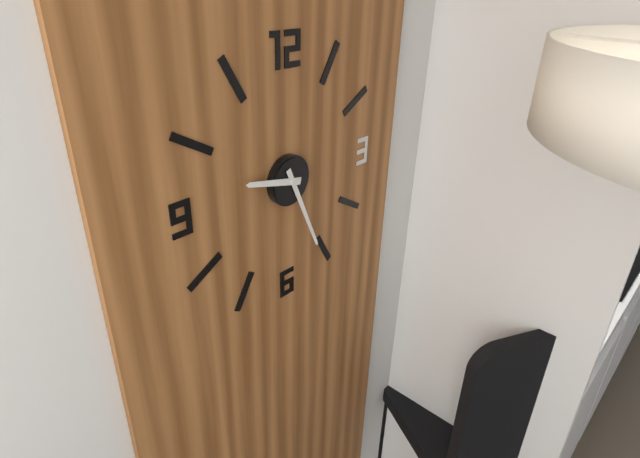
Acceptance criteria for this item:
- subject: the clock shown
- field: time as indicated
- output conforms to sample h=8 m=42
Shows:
h=9 m=26
